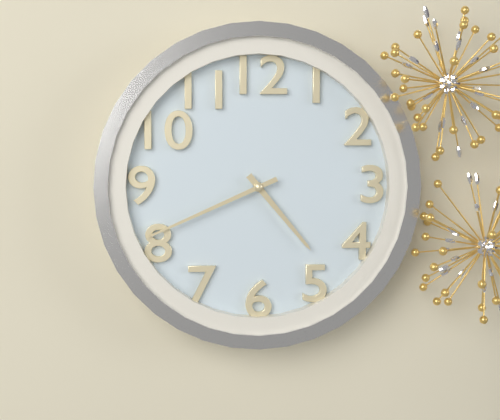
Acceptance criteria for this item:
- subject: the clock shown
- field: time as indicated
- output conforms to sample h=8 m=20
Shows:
h=4 m=41
